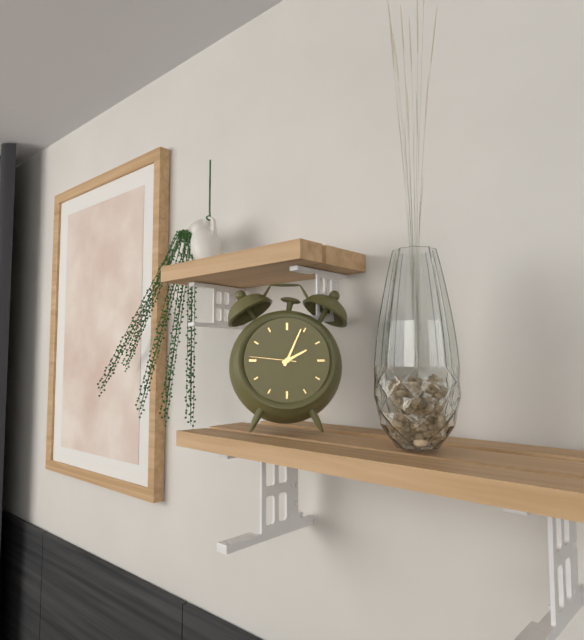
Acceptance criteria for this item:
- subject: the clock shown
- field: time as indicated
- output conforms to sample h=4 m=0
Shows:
h=2 m=4
